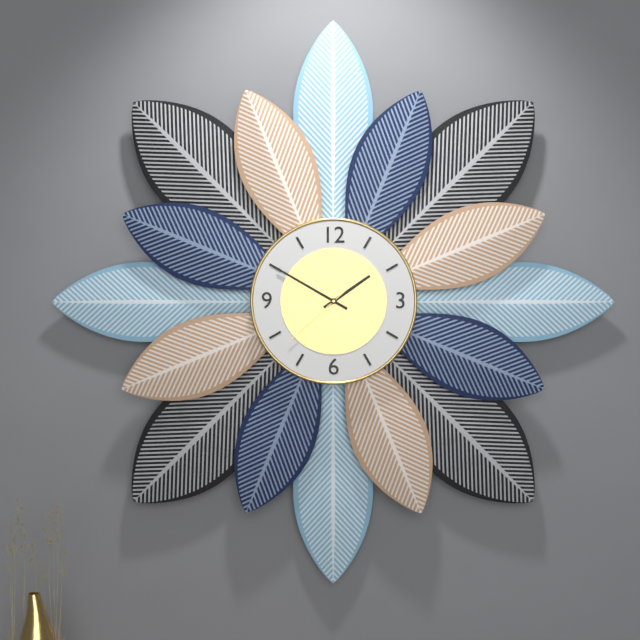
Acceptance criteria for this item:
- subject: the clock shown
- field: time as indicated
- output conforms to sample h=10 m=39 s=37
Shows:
h=1 m=50 s=38
